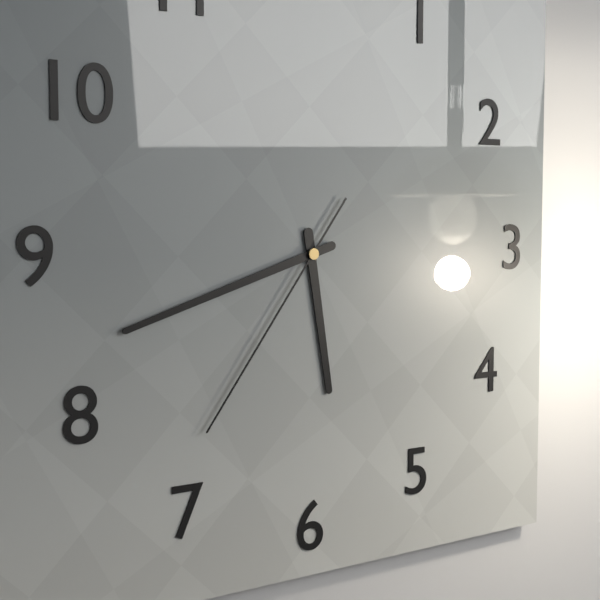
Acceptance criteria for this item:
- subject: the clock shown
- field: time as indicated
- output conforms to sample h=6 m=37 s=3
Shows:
h=5 m=42 s=36
